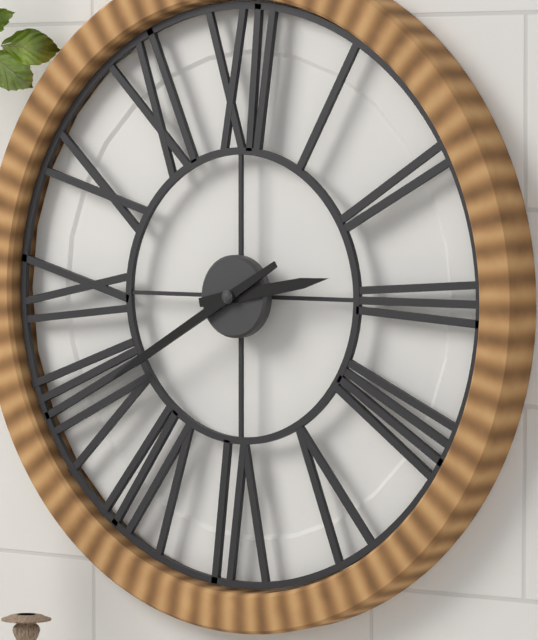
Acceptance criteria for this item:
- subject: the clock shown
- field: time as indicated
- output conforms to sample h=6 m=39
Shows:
h=2 m=40
